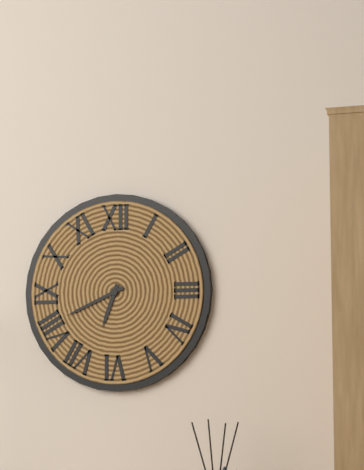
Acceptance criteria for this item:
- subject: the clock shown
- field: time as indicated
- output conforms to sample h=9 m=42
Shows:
h=6 m=41
